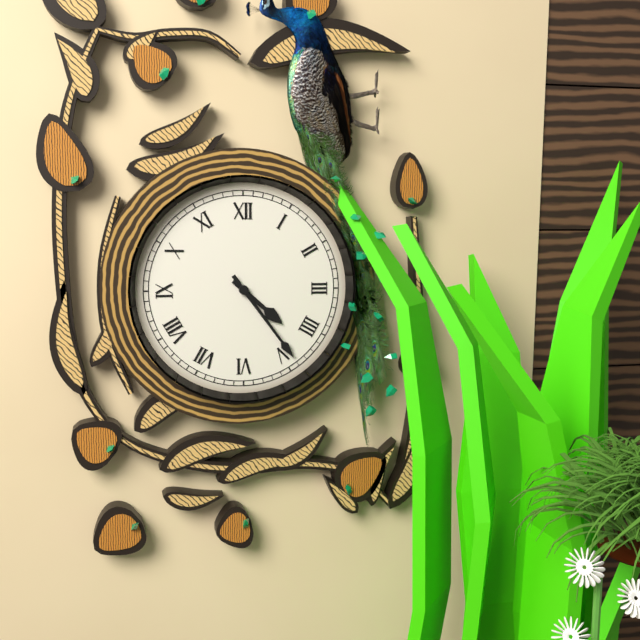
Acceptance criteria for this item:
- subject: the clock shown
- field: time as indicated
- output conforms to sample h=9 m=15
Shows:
h=4 m=24
